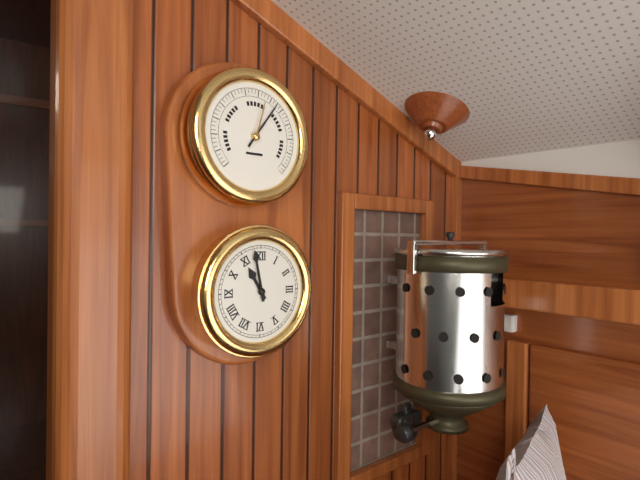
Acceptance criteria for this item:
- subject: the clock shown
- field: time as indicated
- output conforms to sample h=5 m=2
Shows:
h=10 m=58
